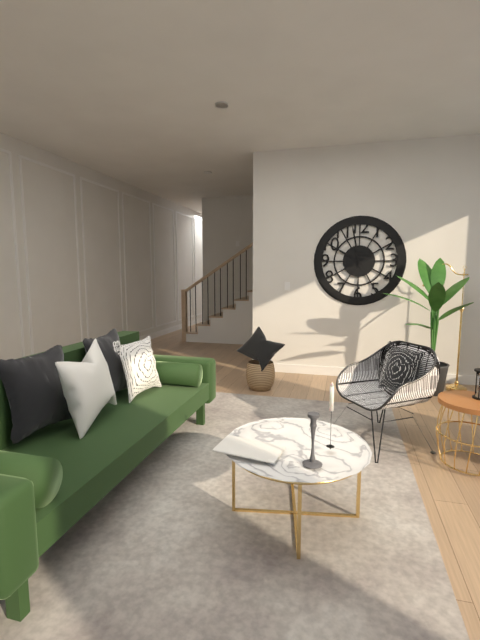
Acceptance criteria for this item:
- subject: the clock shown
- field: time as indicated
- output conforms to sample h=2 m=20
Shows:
h=9 m=58
